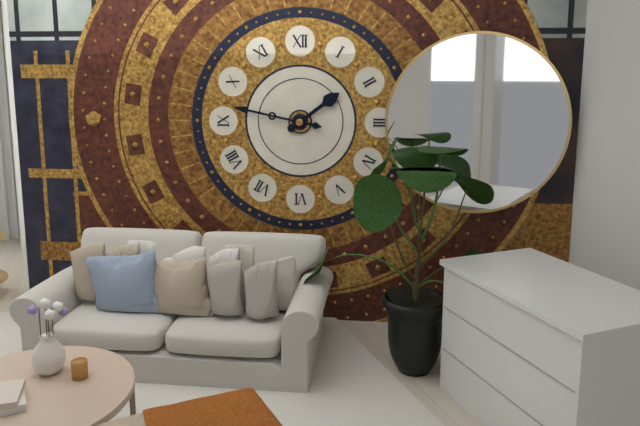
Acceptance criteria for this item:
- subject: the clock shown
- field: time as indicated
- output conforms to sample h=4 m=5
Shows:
h=1 m=47
